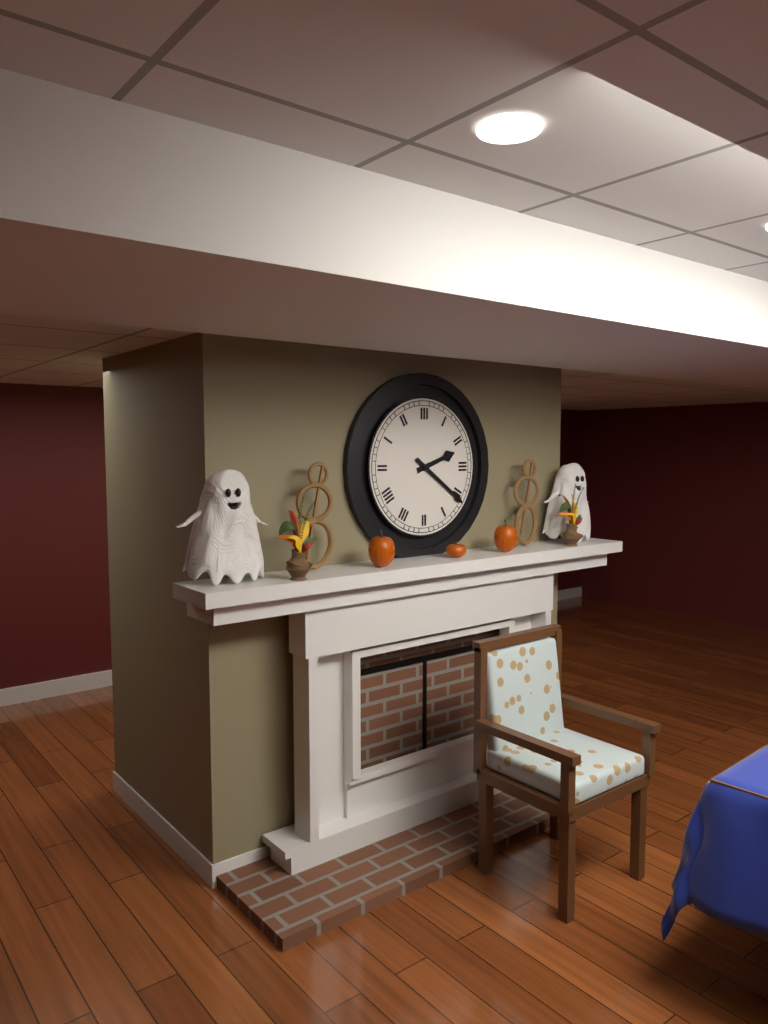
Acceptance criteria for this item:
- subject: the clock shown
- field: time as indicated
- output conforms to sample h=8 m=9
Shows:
h=2 m=21
